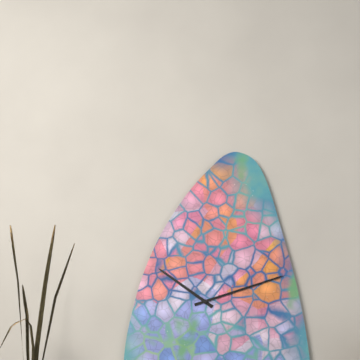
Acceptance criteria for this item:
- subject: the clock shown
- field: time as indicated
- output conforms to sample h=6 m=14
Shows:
h=10 m=12
